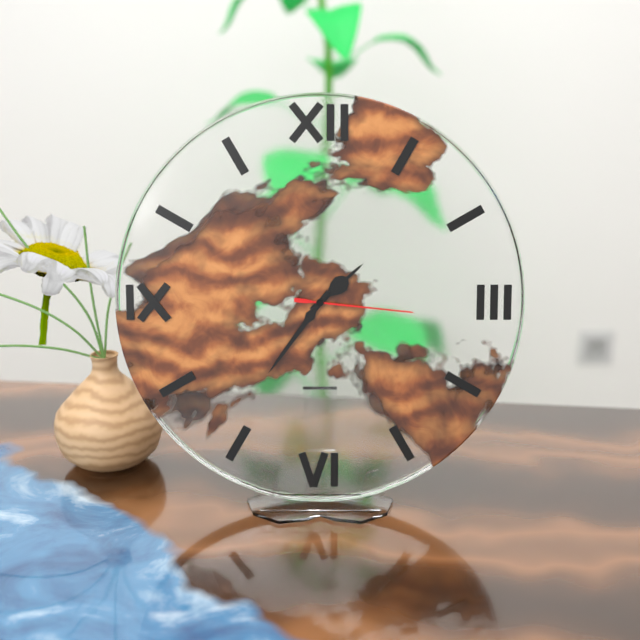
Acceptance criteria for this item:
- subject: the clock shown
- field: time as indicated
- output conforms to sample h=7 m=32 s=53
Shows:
h=1 m=36 s=16
